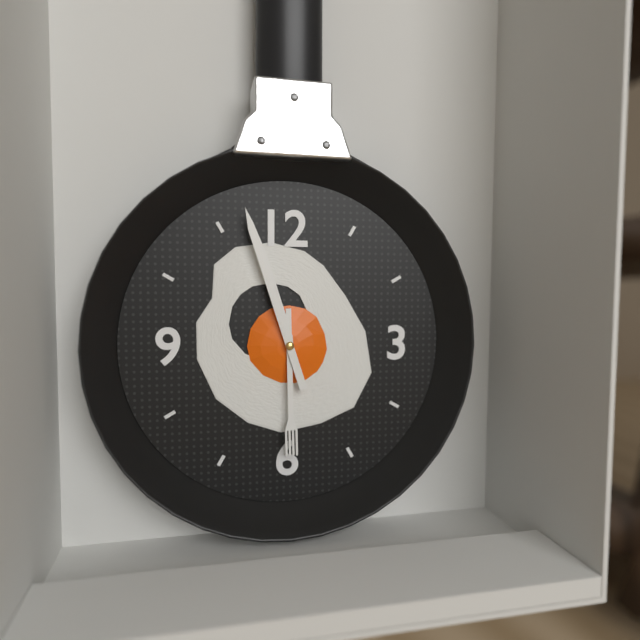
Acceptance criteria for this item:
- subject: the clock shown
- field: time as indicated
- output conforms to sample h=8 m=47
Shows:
h=5 m=57
